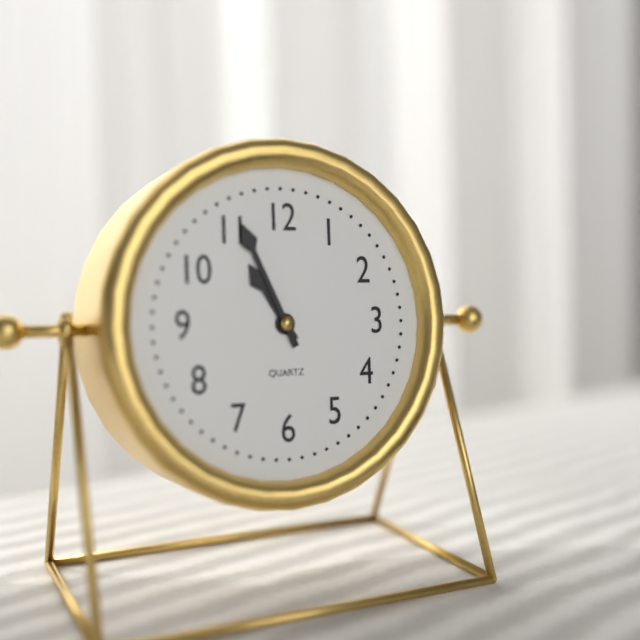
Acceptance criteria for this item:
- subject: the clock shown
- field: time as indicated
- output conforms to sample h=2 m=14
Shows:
h=10 m=56
